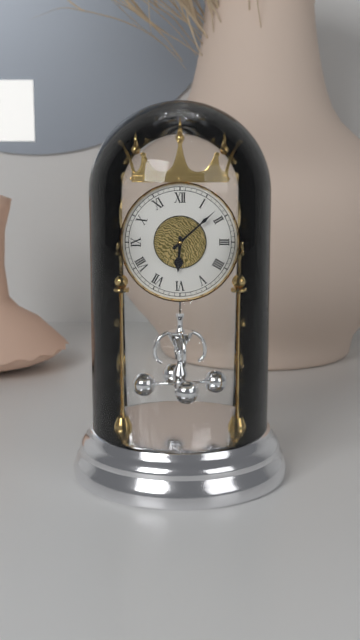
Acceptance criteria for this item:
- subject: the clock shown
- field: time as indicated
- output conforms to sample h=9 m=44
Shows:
h=6 m=8
